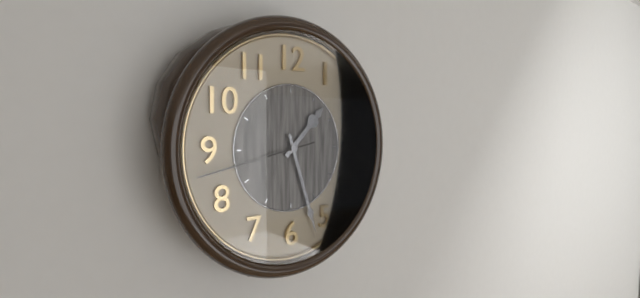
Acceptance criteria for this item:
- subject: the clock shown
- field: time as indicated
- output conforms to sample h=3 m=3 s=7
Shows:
h=1 m=27 s=43
